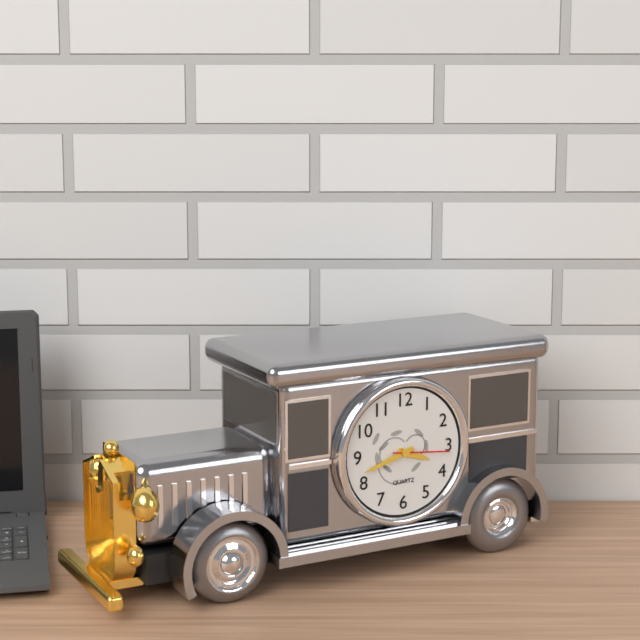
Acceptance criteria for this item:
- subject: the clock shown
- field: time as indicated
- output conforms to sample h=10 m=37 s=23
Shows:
h=3 m=42 s=16
